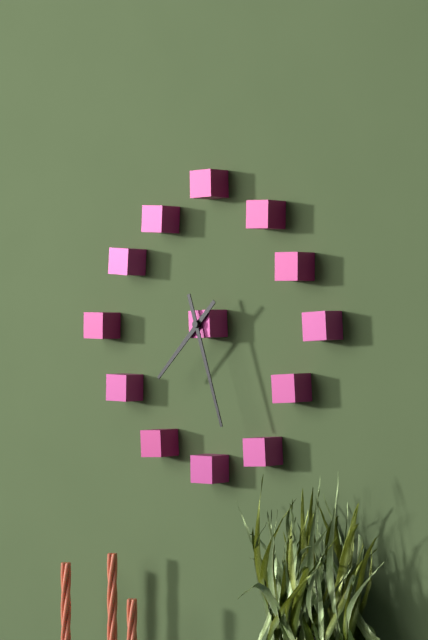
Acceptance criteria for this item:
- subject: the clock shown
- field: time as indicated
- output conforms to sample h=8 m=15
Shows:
h=7 m=27
